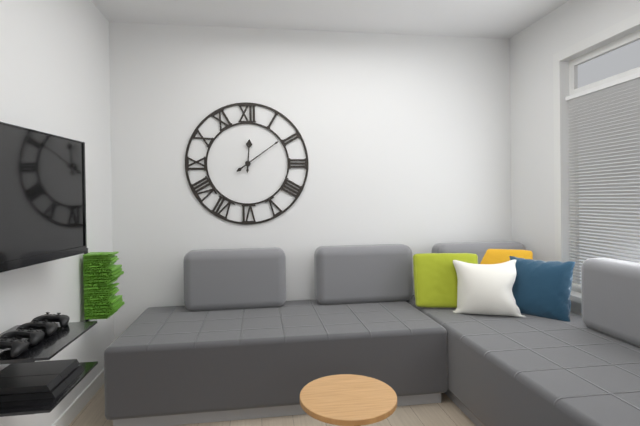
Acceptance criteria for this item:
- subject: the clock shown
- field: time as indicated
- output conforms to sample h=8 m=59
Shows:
h=12 m=9
